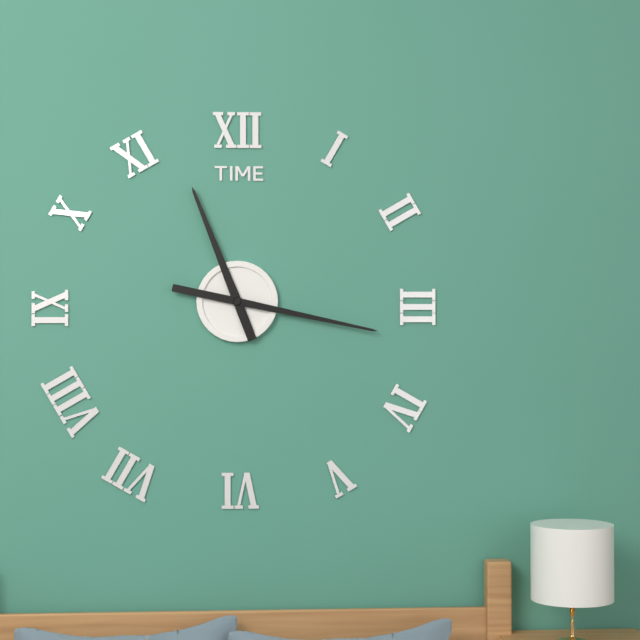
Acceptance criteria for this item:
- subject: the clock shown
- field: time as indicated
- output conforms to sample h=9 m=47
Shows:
h=11 m=17
